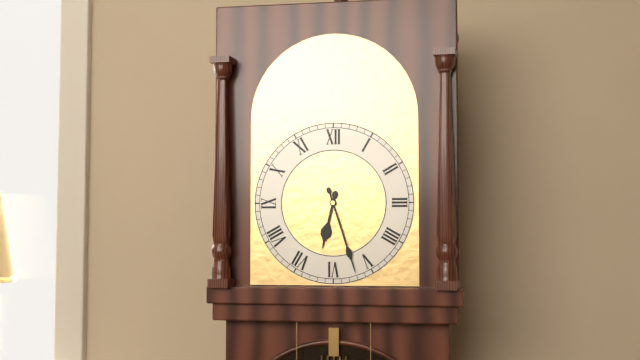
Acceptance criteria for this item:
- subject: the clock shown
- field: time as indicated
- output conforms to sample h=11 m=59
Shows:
h=6 m=27
